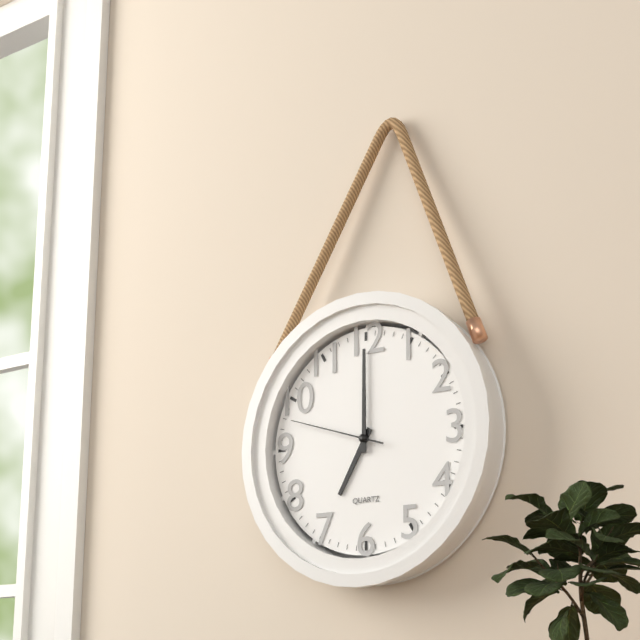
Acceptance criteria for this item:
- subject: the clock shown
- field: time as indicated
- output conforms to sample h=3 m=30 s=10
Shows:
h=7 m=0 s=48
